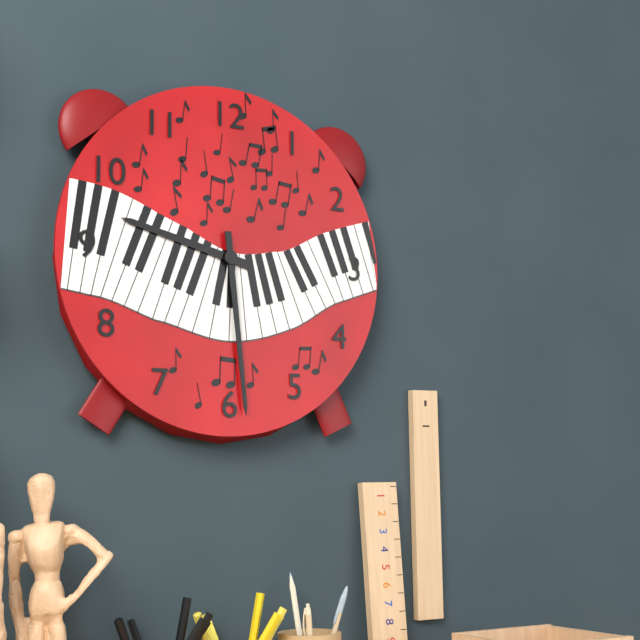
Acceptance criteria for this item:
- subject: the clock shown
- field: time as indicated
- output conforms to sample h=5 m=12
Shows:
h=9 m=29
